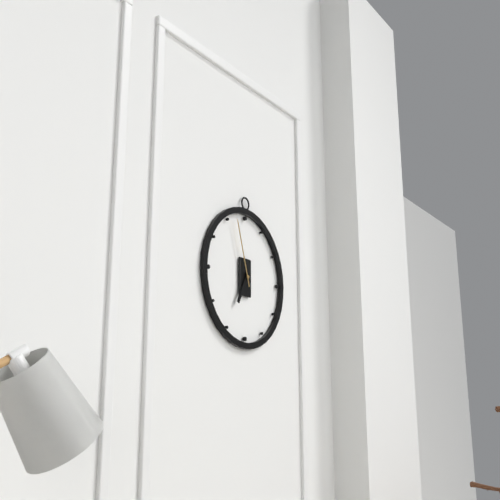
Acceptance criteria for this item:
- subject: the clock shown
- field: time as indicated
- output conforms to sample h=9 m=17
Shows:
h=6 m=57
